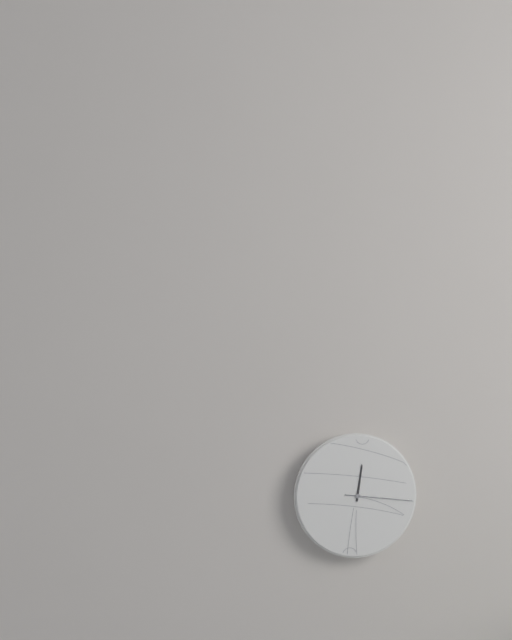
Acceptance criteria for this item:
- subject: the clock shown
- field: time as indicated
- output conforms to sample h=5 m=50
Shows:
h=12 m=16
